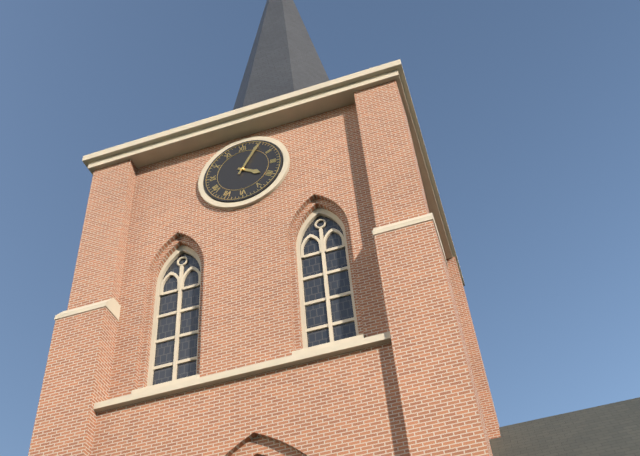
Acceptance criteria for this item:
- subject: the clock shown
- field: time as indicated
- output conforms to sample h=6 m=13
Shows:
h=4 m=5
